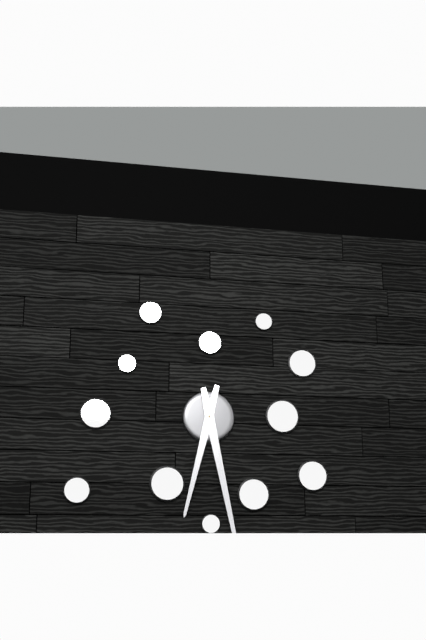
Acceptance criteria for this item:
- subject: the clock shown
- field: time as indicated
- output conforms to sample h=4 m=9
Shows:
h=6 m=28
